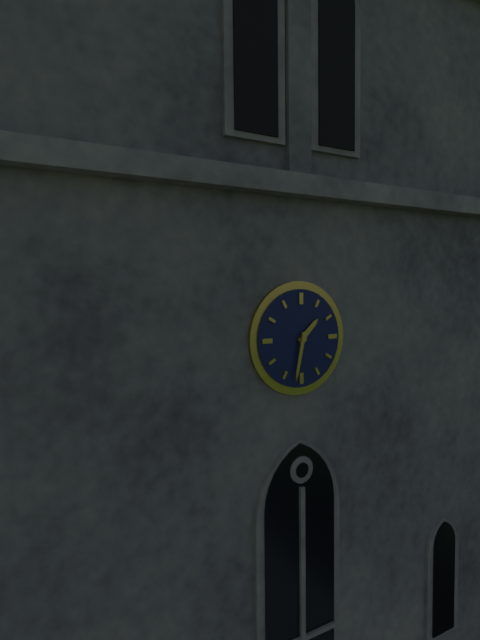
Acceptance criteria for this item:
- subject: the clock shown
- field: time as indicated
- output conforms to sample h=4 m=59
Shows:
h=1 m=32
